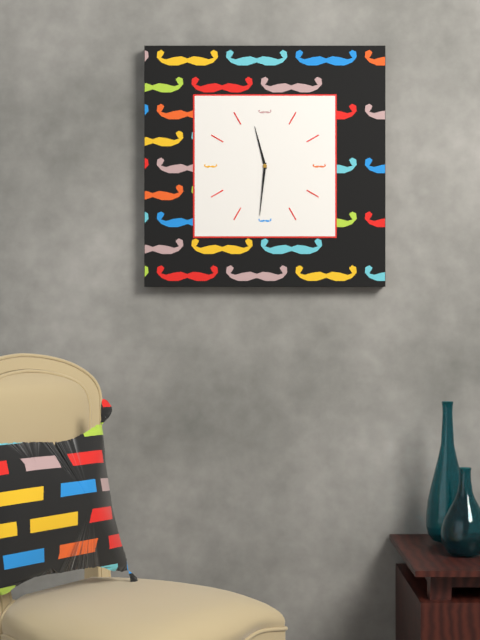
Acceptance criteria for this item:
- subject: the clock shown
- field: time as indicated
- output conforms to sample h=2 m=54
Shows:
h=11 m=31
